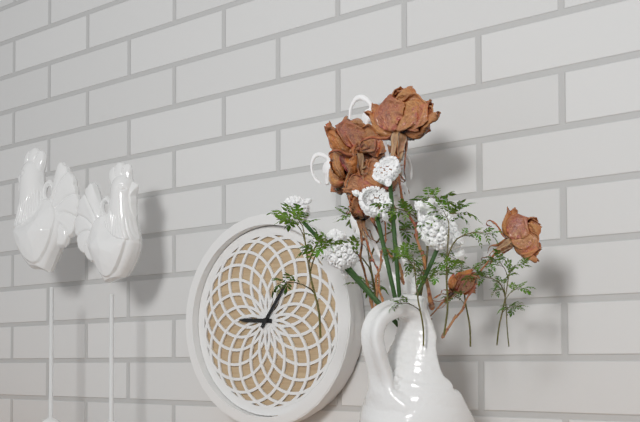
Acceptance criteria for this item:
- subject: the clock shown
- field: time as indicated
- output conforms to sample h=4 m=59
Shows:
h=9 m=6
